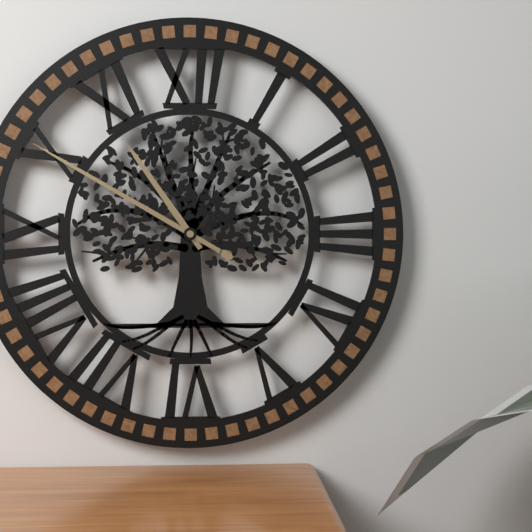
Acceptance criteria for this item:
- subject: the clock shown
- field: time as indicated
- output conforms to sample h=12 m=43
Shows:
h=10 m=50
